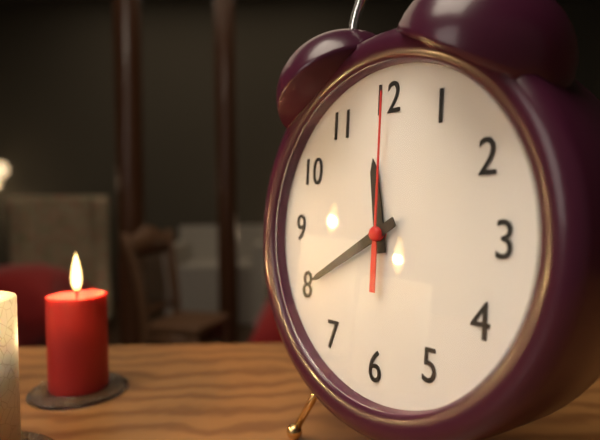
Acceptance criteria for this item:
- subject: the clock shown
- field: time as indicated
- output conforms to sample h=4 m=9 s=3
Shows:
h=11 m=40 s=0
